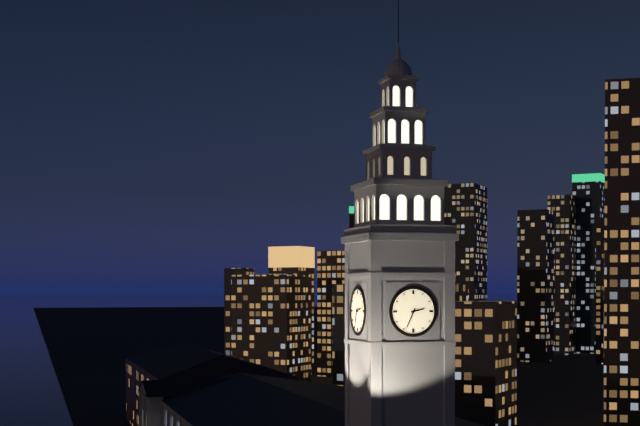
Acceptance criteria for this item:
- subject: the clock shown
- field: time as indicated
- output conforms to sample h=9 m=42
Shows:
h=2 m=34
